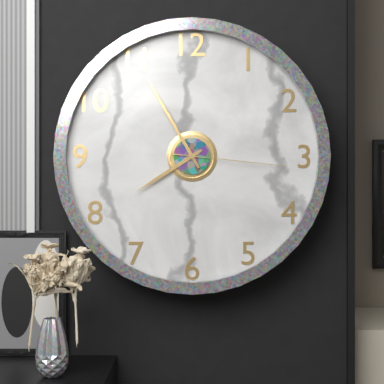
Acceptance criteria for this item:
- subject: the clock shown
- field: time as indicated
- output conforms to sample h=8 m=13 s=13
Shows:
h=7 m=55 s=16
